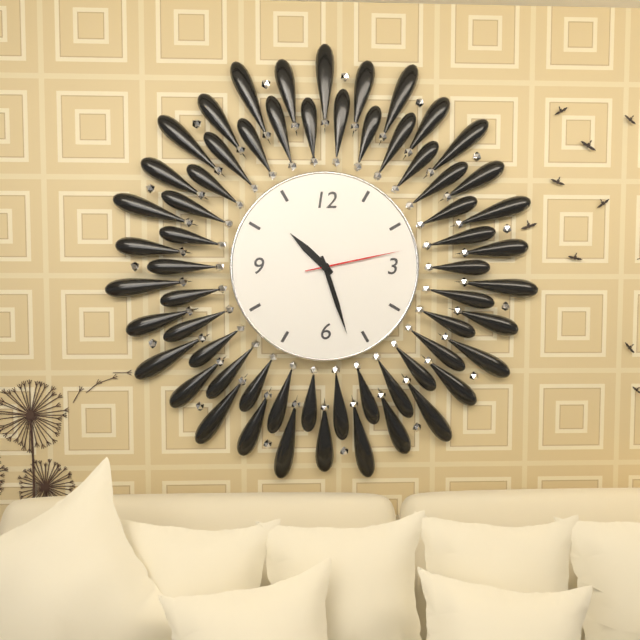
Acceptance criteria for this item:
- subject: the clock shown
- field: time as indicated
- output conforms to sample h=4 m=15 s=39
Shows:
h=10 m=27 s=13
